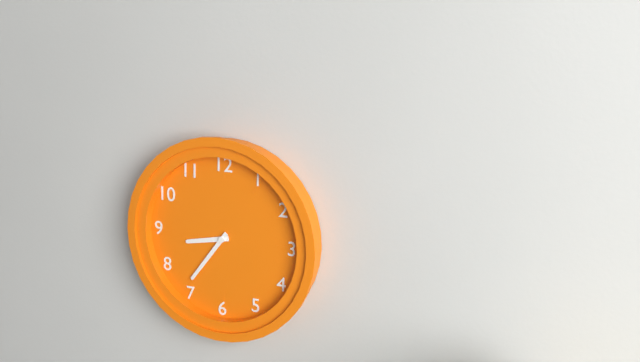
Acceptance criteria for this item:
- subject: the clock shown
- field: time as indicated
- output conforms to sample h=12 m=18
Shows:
h=8 m=36
